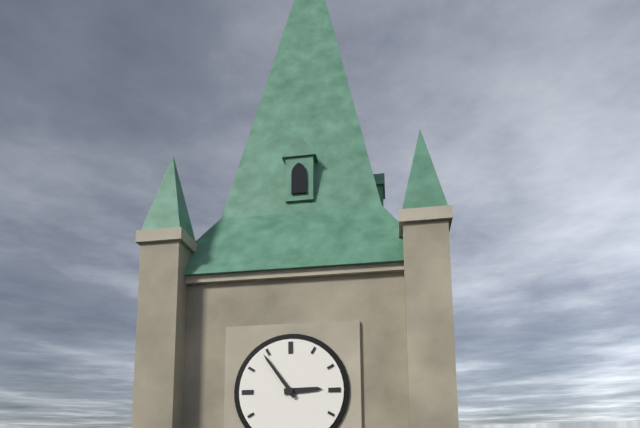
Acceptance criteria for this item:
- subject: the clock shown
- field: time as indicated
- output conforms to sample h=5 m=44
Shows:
h=2 m=54
